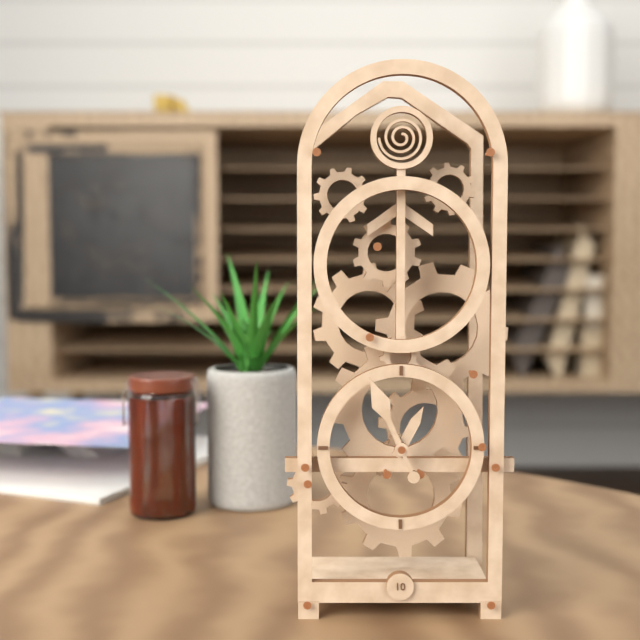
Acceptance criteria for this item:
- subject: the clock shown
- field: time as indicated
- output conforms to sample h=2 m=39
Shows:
h=12 m=56
